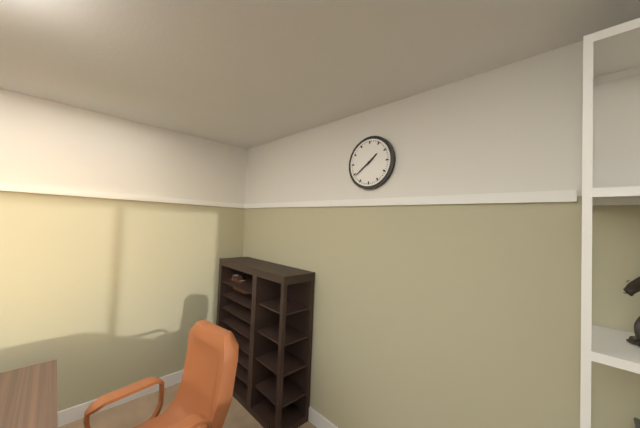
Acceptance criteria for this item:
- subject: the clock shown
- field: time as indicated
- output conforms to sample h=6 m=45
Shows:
h=1 m=39
